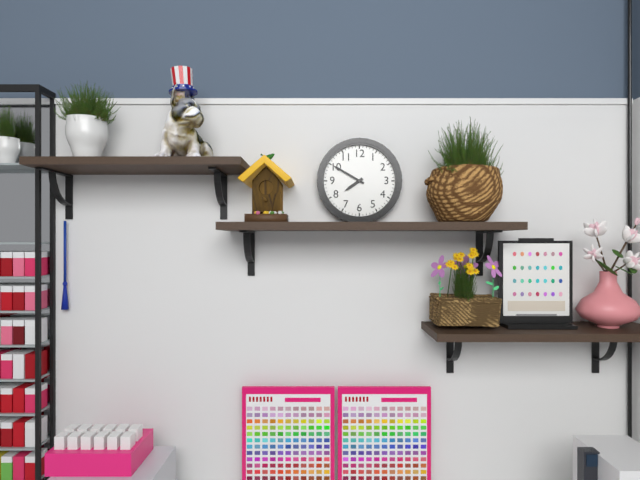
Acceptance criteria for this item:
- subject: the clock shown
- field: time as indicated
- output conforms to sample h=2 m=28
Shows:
h=7 m=50
